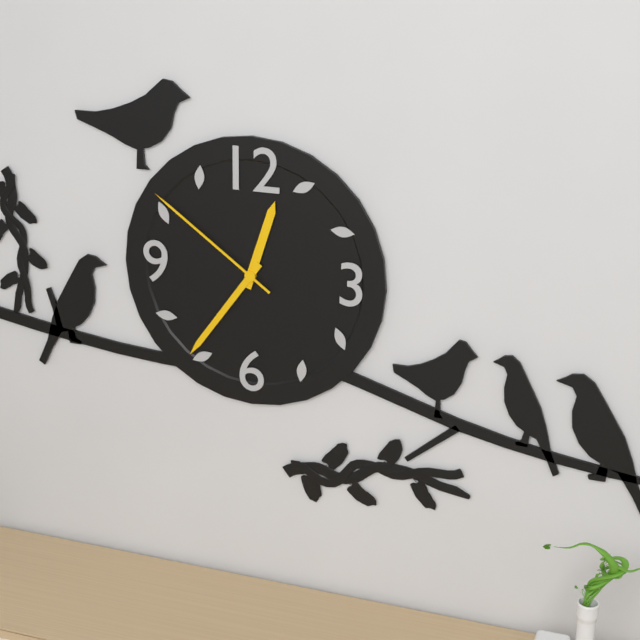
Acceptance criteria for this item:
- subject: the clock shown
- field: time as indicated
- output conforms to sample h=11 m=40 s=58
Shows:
h=12 m=36 s=51
